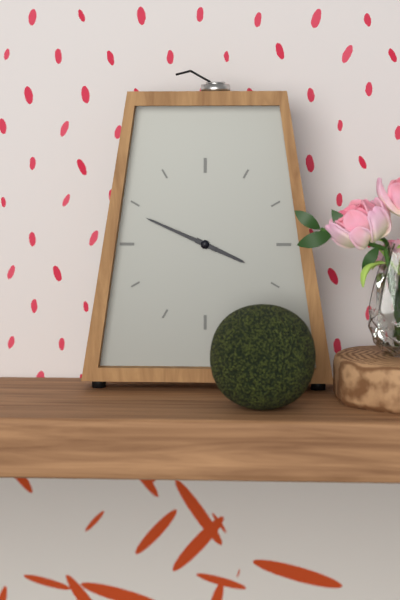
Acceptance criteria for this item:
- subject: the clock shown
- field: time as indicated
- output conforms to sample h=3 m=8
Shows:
h=3 m=49
